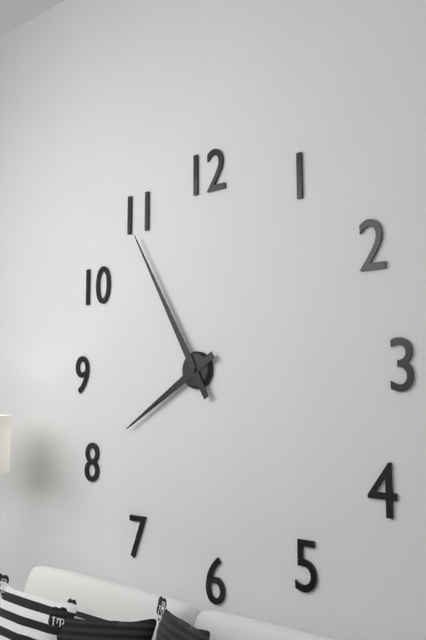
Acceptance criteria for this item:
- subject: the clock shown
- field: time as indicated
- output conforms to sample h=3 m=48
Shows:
h=7 m=55
